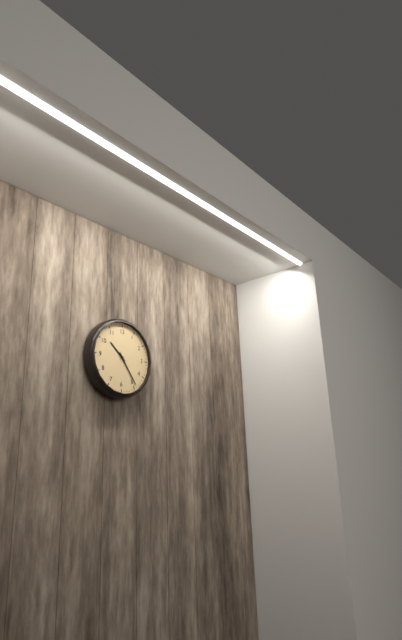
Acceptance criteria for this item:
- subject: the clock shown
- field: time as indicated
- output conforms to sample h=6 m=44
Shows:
h=10 m=24
